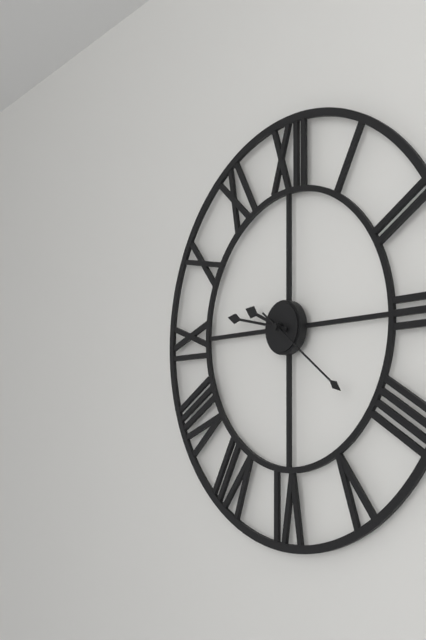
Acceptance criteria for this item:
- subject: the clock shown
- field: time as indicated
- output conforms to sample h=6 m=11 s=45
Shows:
h=9 m=47 s=21
